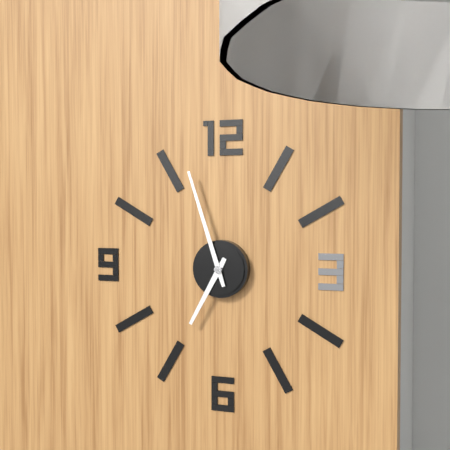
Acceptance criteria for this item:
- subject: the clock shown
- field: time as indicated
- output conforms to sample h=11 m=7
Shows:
h=6 m=57
